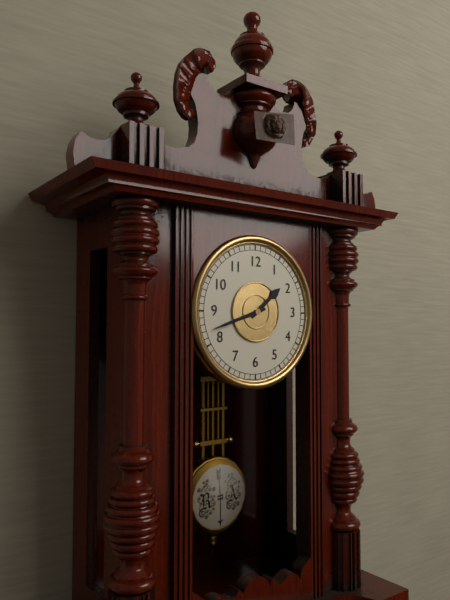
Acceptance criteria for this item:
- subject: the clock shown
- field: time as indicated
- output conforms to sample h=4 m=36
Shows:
h=1 m=42
